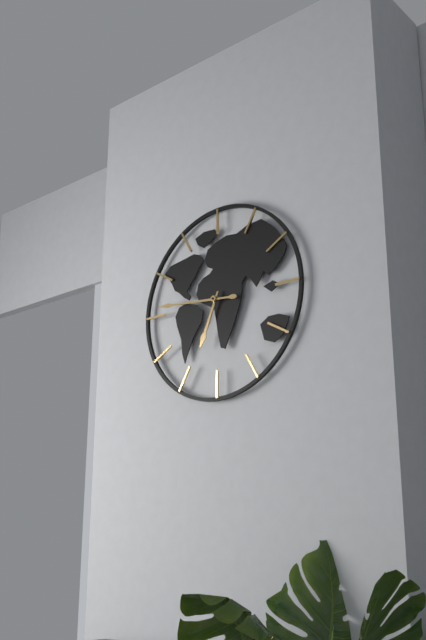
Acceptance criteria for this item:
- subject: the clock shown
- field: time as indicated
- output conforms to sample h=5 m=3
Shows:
h=6 m=46
